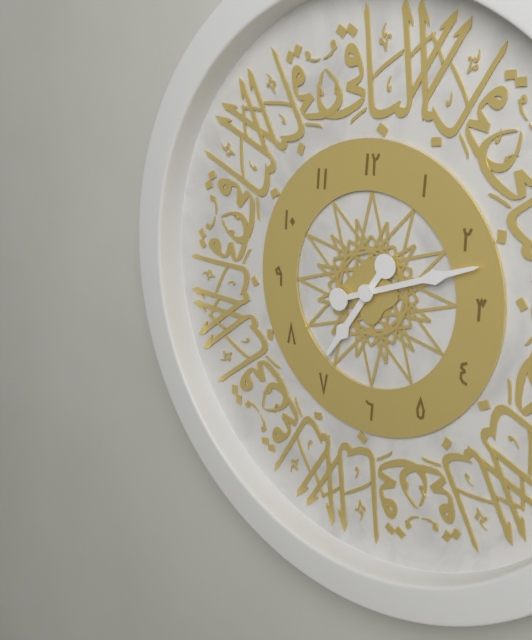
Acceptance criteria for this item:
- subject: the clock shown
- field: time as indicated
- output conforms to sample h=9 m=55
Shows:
h=7 m=12
